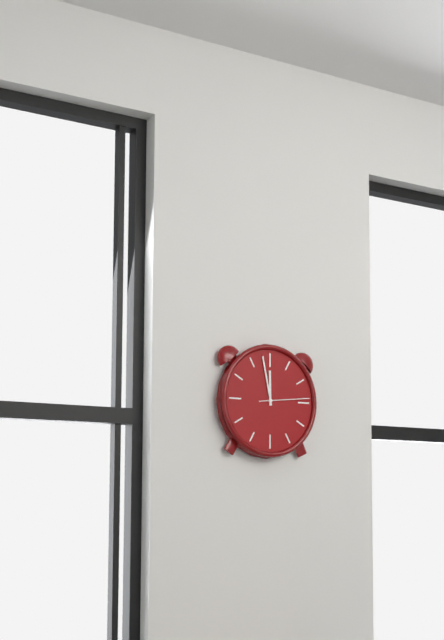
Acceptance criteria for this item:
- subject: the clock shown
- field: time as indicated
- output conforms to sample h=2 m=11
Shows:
h=11 m=58
